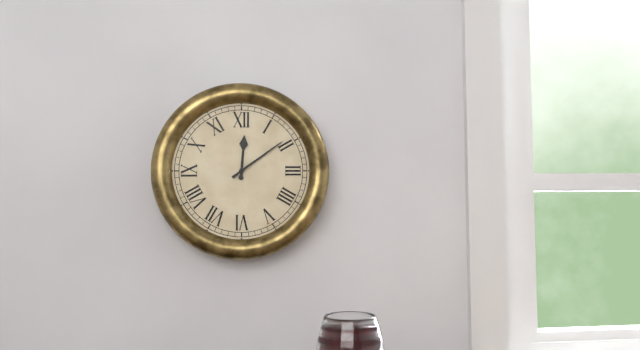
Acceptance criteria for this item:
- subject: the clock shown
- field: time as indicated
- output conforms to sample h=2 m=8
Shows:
h=12 m=9
